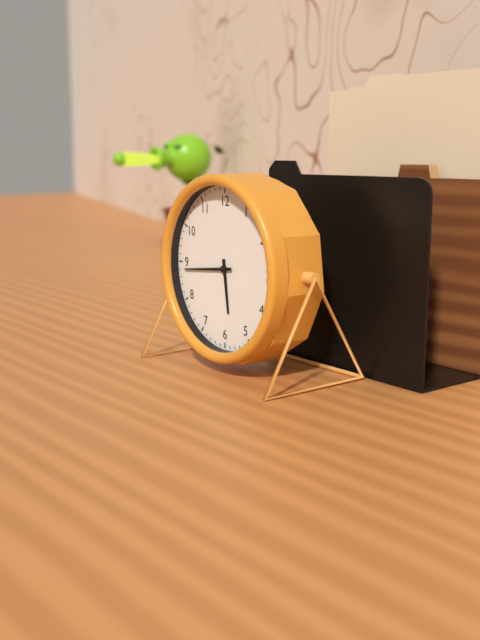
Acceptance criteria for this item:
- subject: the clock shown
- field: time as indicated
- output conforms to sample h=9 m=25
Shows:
h=5 m=44
